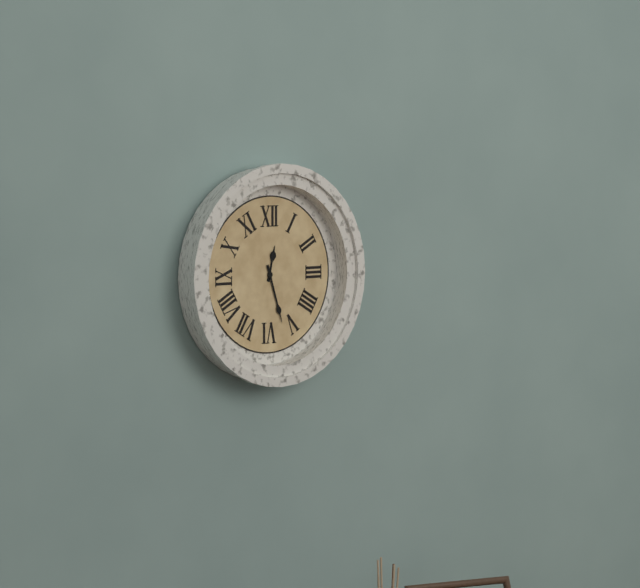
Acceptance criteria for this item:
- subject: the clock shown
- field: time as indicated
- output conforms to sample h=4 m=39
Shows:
h=12 m=27
